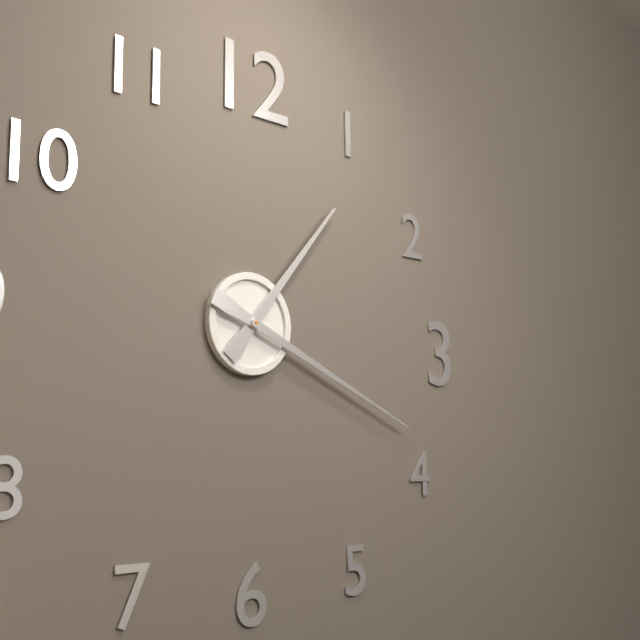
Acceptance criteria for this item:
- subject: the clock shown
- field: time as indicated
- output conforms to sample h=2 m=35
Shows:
h=1 m=19
